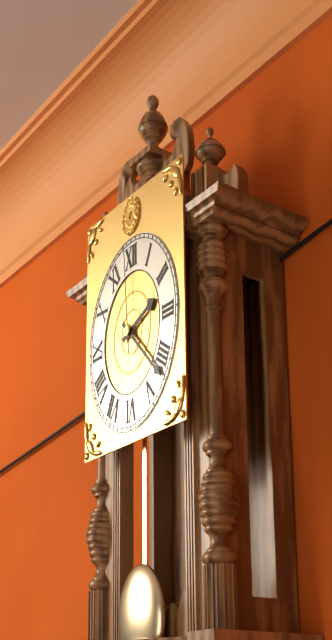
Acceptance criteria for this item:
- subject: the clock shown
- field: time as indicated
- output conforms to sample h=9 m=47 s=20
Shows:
h=2 m=22 s=59
